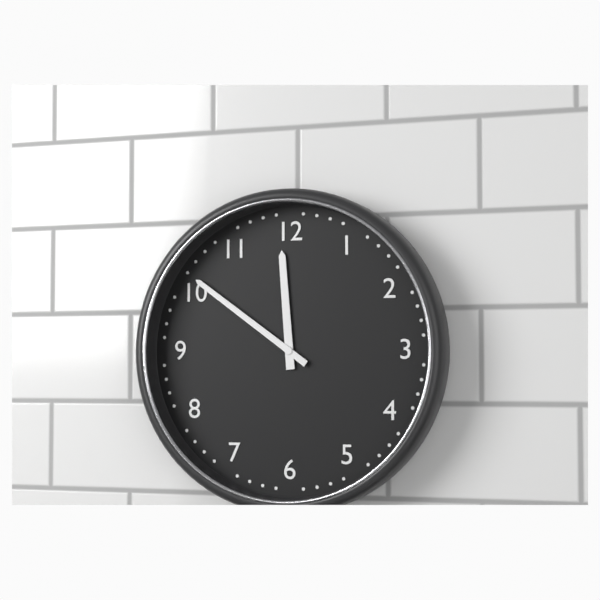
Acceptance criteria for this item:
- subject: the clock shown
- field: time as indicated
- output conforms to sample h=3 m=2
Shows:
h=11 m=51
